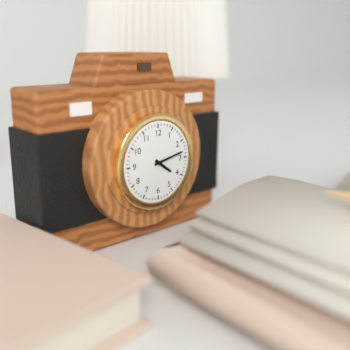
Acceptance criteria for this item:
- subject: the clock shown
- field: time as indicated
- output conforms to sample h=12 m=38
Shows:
h=4 m=13
